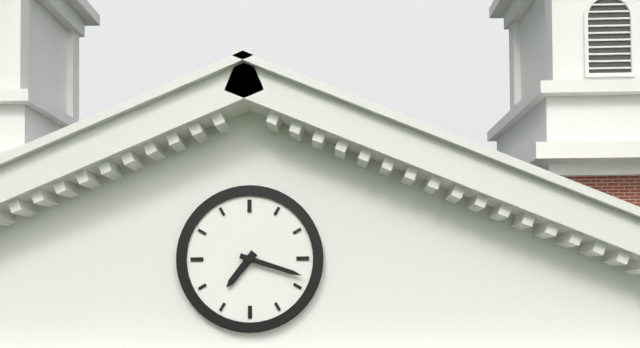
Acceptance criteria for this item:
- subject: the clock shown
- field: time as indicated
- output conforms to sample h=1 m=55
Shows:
h=7 m=18
